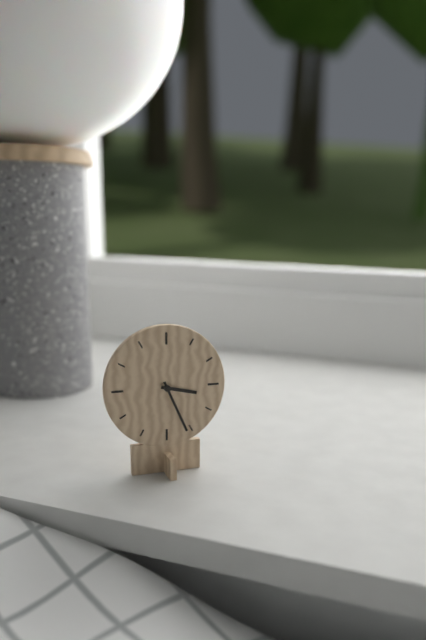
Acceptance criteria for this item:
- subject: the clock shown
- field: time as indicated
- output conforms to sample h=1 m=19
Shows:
h=3 m=26
